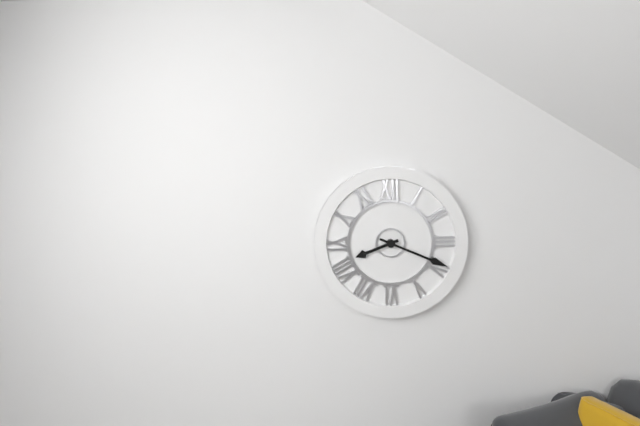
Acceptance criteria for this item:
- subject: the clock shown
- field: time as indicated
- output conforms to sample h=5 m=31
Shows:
h=8 m=19
